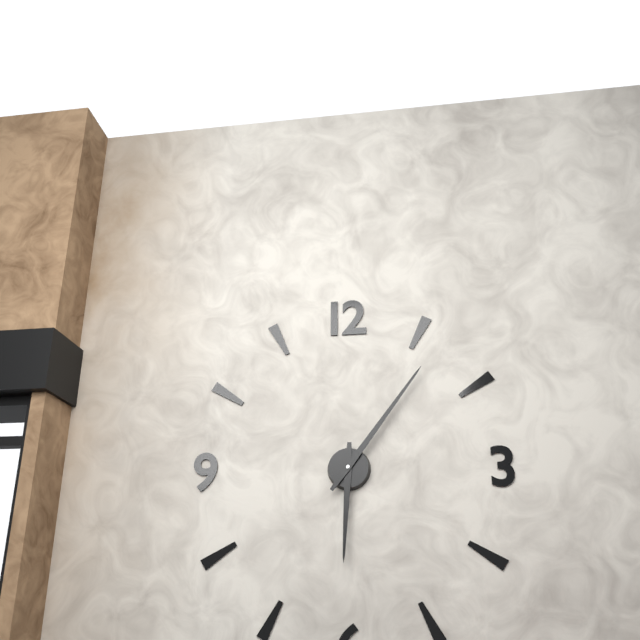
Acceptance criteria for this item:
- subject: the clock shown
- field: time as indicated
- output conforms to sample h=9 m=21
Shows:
h=6 m=6
